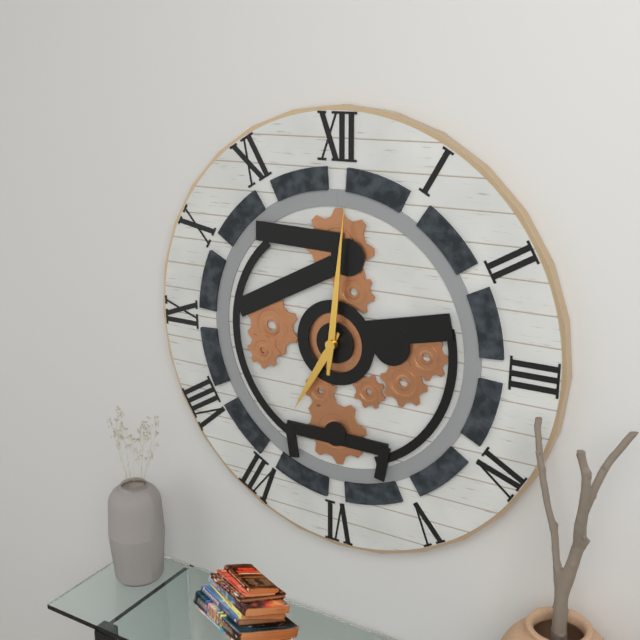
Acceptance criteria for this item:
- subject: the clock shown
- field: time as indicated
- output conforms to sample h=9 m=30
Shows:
h=7 m=1
